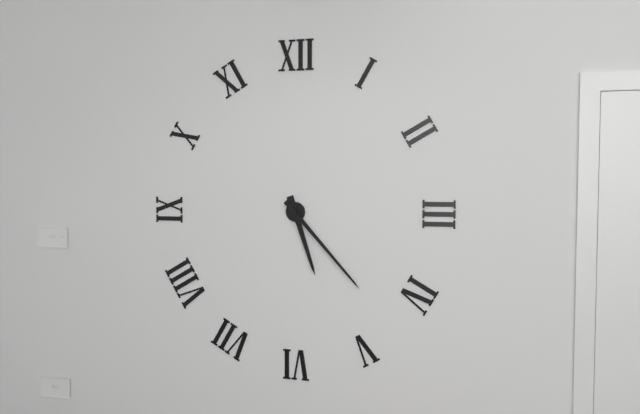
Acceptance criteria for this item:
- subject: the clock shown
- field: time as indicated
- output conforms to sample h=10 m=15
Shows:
h=5 m=23
